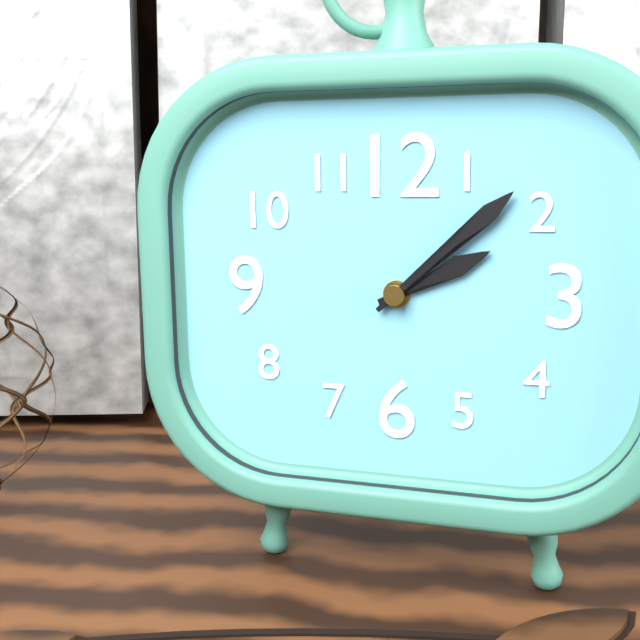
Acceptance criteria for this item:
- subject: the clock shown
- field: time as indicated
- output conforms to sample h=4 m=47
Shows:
h=2 m=8
